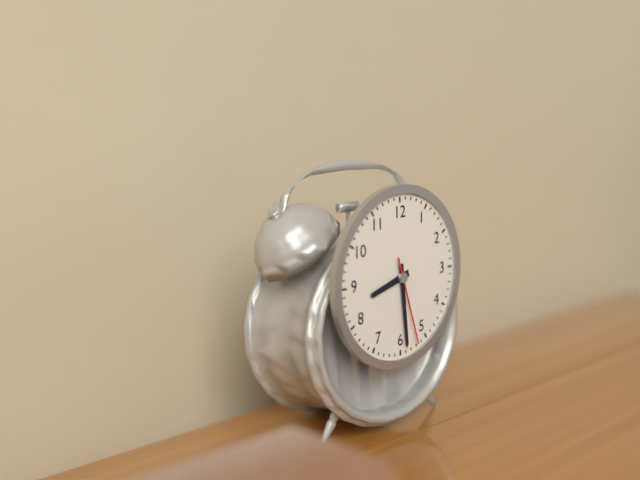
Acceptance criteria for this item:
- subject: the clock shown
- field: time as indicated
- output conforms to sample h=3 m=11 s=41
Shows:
h=8 m=29 s=27
